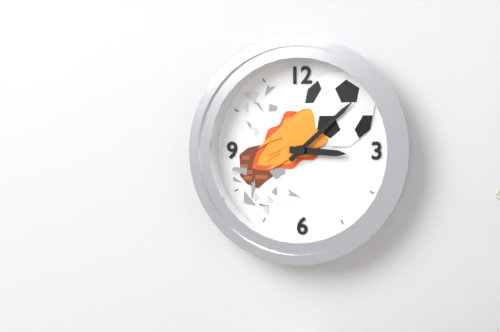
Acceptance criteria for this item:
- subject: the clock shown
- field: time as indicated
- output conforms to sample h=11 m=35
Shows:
h=3 m=8
